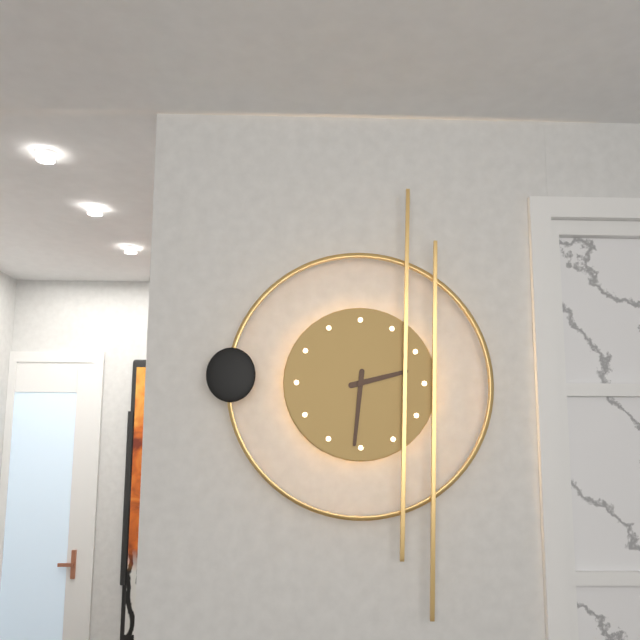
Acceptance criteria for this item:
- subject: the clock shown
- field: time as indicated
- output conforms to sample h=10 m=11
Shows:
h=2 m=31
